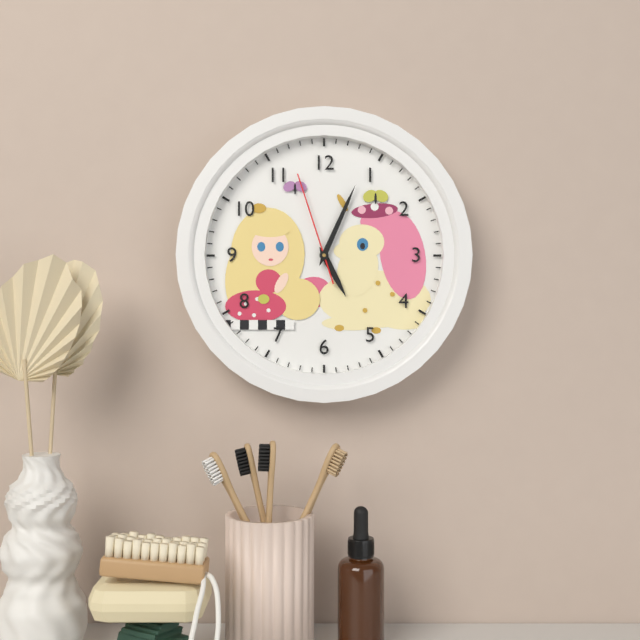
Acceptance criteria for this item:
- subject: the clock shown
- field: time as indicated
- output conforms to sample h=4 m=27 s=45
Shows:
h=5 m=4 s=57
